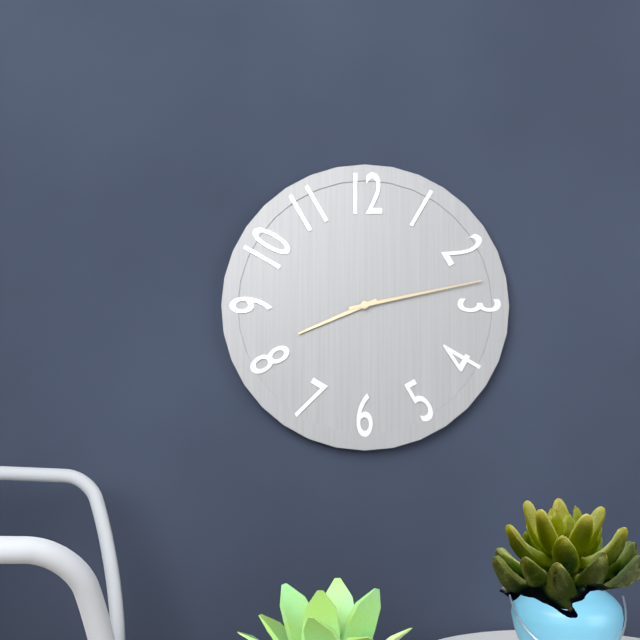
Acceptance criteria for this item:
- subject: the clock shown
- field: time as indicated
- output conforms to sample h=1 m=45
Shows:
h=8 m=13
